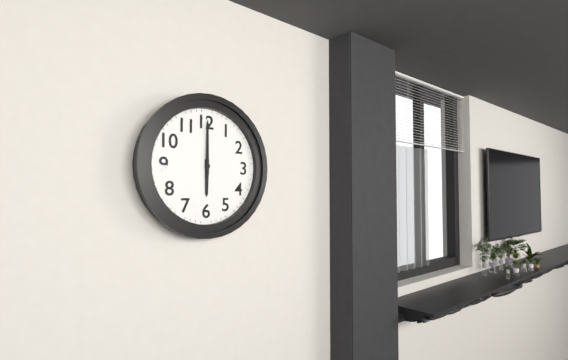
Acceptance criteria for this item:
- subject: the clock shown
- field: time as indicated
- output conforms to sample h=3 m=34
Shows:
h=6 m=0
